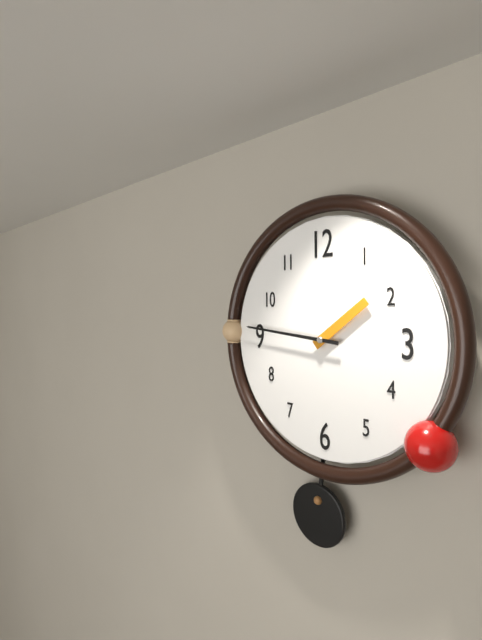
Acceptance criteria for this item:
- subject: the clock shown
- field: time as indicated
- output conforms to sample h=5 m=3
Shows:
h=1 m=46
